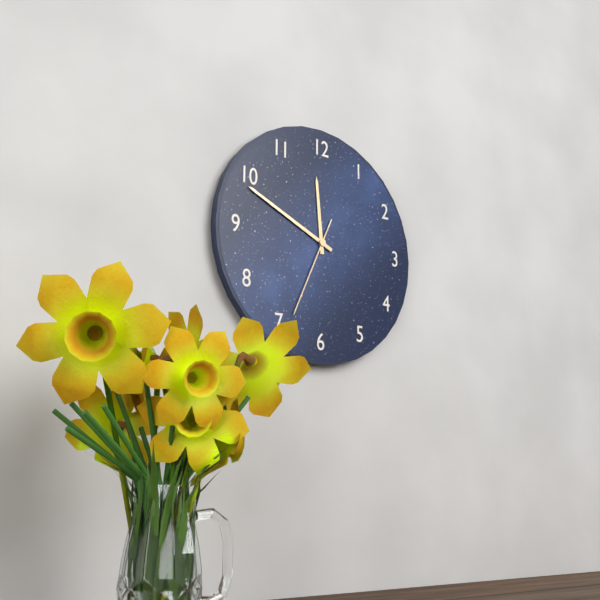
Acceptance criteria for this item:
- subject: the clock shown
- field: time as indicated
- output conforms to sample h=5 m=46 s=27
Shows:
h=11 m=49 s=34
